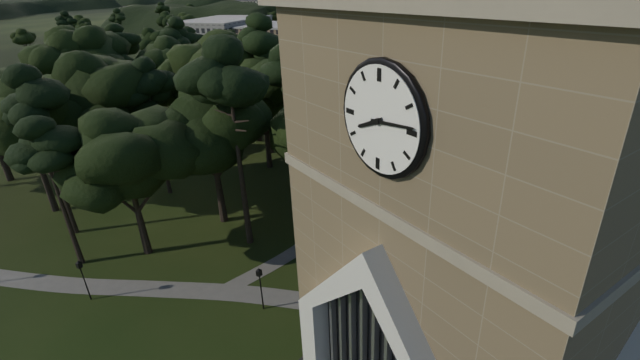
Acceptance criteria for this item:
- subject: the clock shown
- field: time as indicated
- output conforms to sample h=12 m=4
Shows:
h=8 m=14
